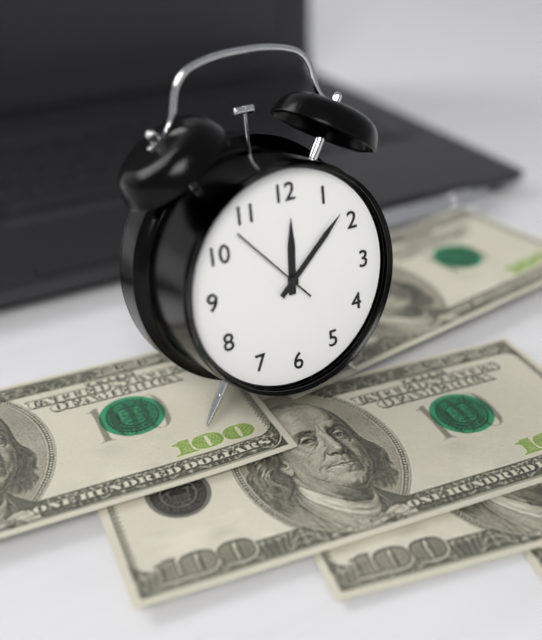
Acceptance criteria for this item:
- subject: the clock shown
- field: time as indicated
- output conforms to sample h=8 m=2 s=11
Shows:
h=12 m=8 s=53
